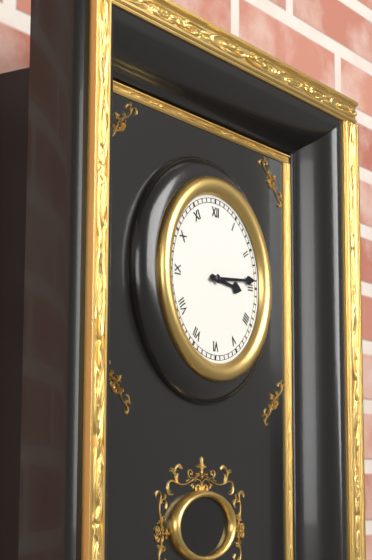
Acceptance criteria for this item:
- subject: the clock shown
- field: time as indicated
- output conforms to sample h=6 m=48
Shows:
h=3 m=14
